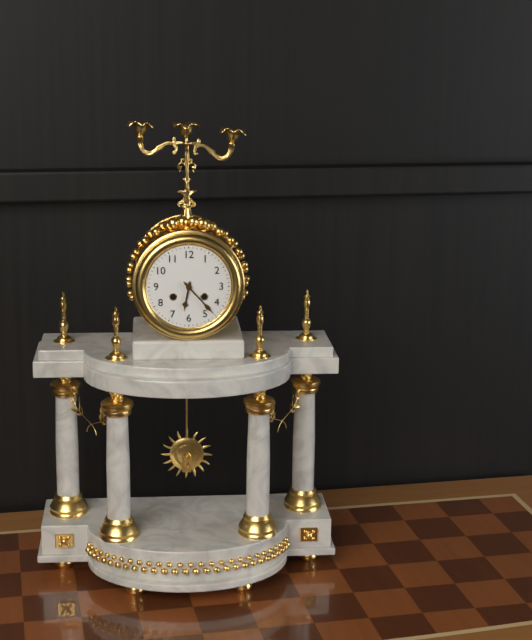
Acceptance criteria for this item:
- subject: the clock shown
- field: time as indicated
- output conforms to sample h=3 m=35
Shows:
h=6 m=23
